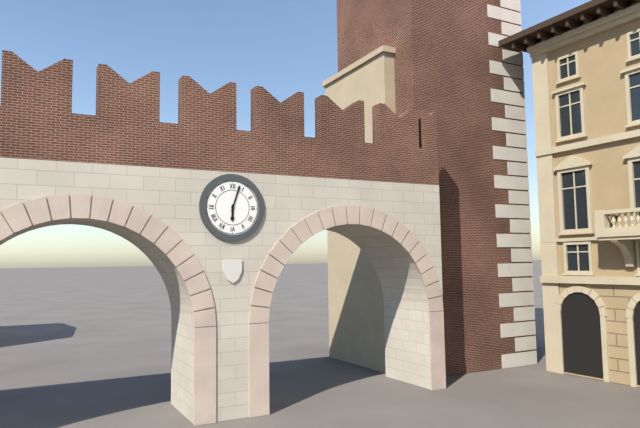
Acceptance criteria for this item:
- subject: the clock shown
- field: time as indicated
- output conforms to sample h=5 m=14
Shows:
h=6 m=3
